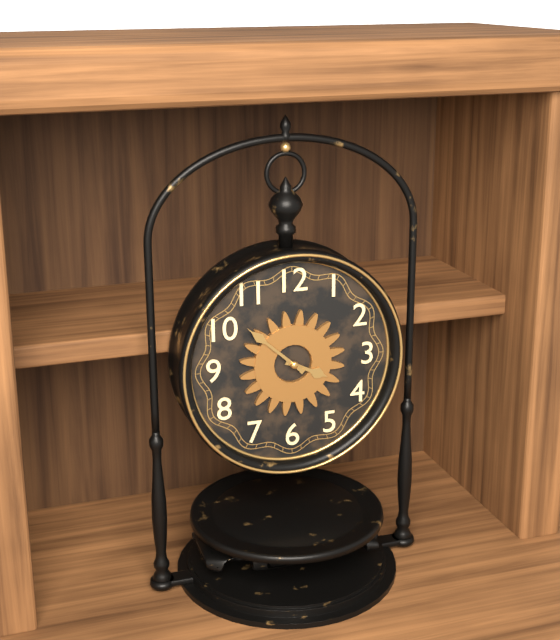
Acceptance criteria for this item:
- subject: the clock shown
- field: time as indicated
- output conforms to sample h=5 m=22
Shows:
h=3 m=52
